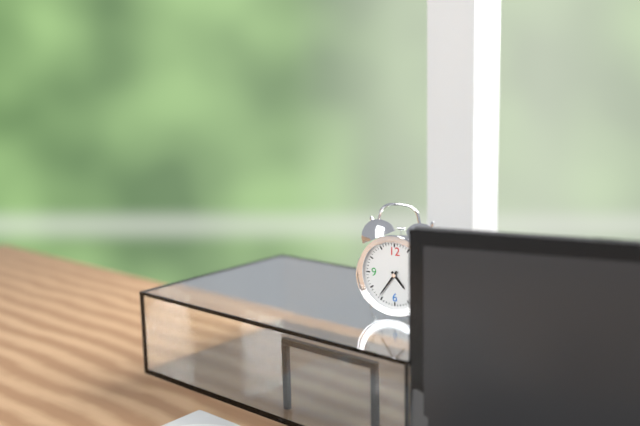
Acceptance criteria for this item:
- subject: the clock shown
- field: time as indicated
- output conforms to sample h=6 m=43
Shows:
h=4 m=36
